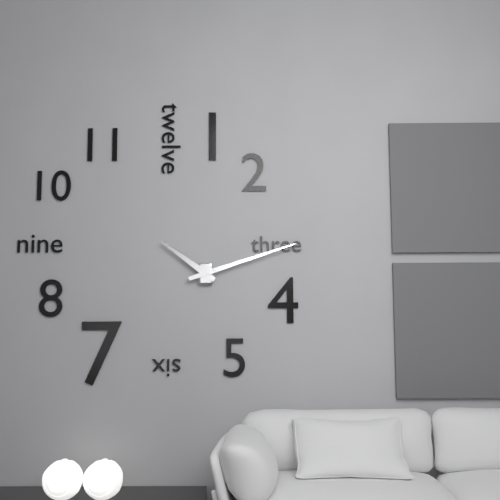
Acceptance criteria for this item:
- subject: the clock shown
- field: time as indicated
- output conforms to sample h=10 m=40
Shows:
h=10 m=12
